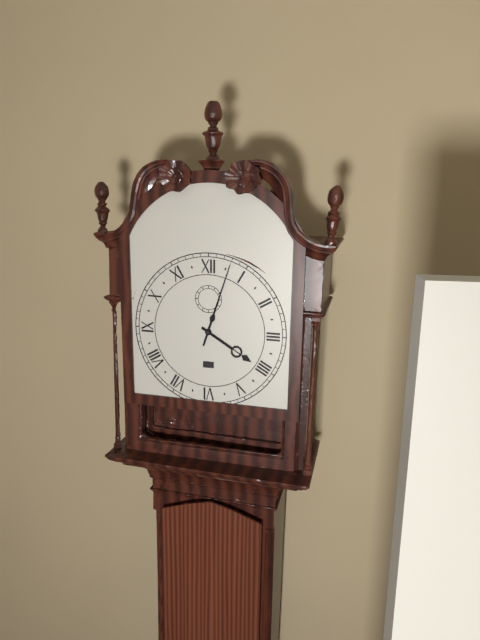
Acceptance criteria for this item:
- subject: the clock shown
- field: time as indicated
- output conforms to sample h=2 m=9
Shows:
h=4 m=3
